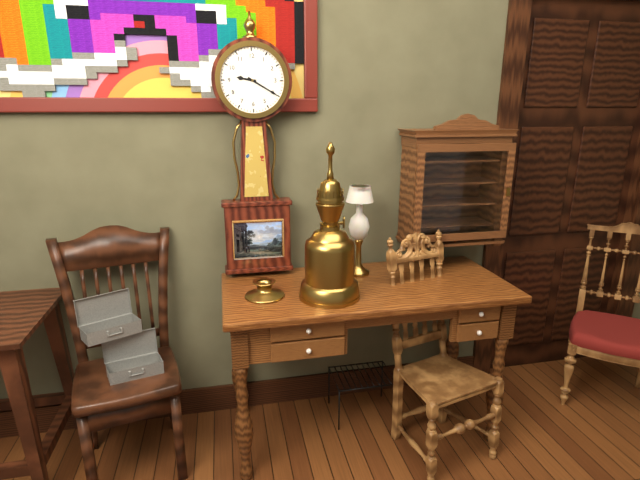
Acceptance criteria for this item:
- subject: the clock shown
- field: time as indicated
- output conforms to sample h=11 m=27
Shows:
h=9 m=20
